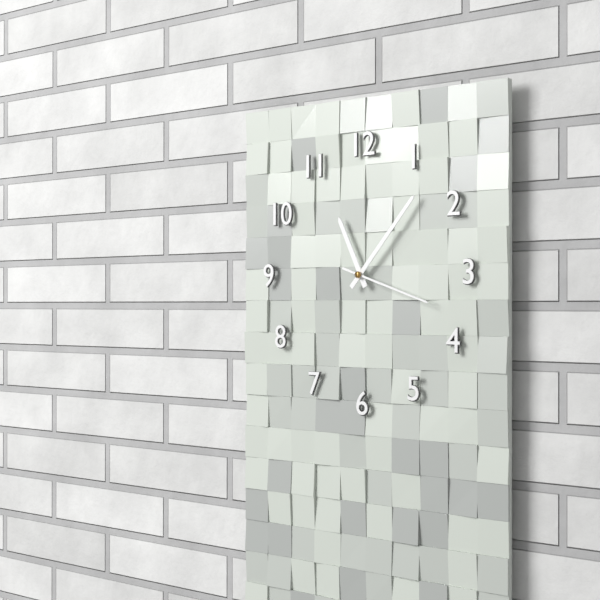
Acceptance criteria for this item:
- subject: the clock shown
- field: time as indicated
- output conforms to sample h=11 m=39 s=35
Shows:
h=11 m=7 s=18
